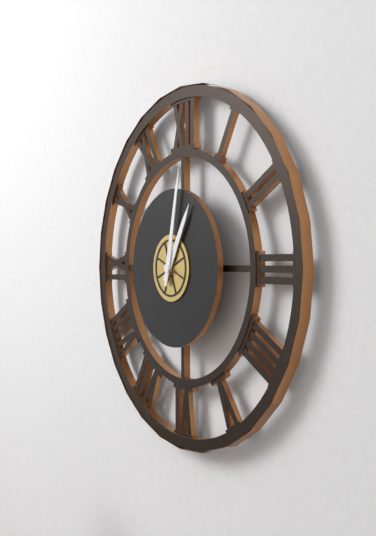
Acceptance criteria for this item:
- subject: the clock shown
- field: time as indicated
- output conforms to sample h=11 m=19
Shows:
h=1 m=2
